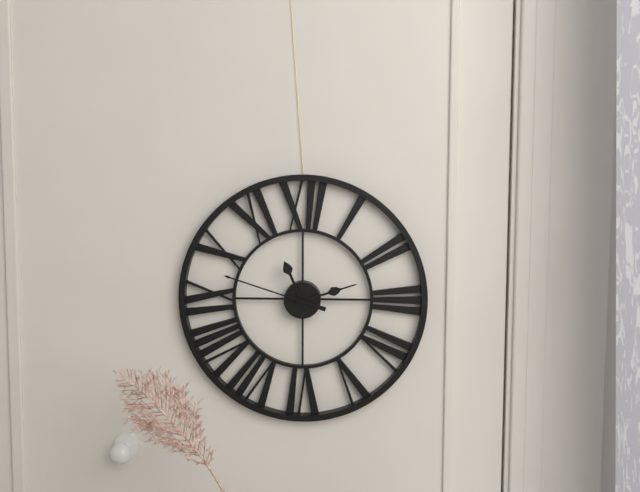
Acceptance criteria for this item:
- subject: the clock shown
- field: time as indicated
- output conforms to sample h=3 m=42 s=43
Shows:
h=11 m=12 s=48
